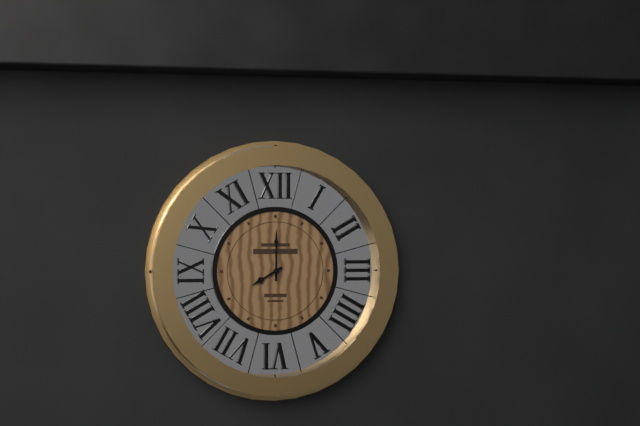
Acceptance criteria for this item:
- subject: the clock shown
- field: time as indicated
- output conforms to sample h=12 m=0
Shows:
h=8 m=0
